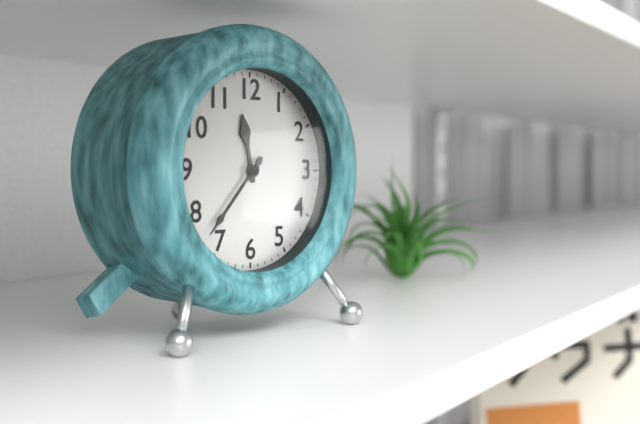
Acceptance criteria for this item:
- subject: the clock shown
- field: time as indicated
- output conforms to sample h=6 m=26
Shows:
h=11 m=37
